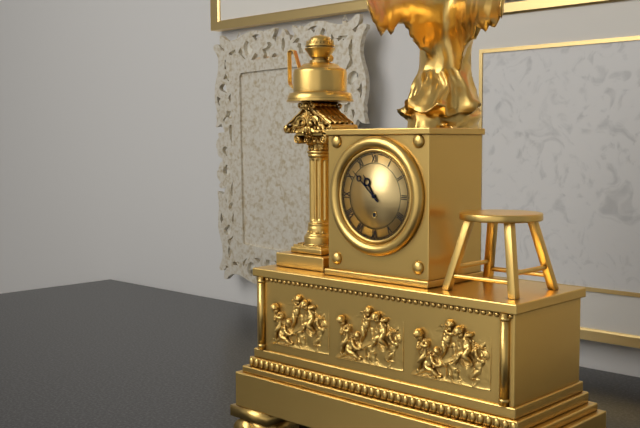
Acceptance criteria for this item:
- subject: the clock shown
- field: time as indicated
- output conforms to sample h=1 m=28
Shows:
h=10 m=52
